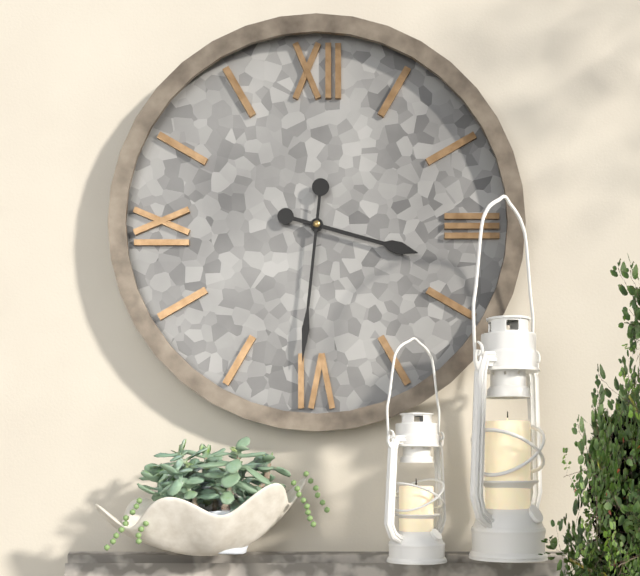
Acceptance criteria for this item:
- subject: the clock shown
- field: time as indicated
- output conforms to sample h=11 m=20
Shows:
h=3 m=31
